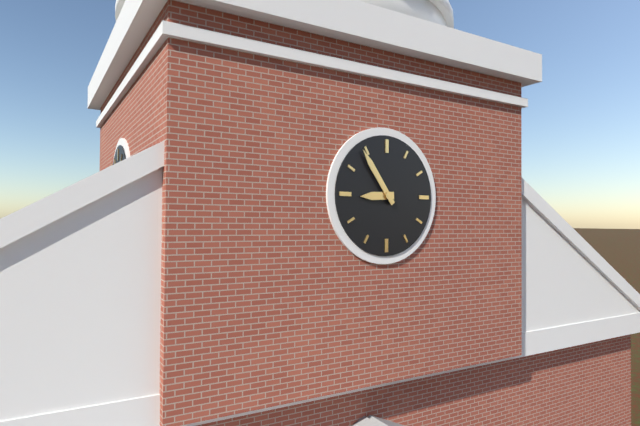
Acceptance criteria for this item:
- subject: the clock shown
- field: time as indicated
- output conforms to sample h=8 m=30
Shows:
h=8 m=54
